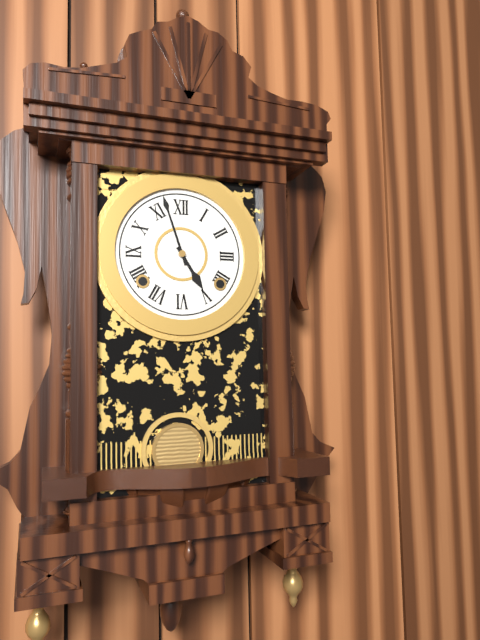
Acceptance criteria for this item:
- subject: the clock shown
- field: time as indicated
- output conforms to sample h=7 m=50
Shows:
h=4 m=57
